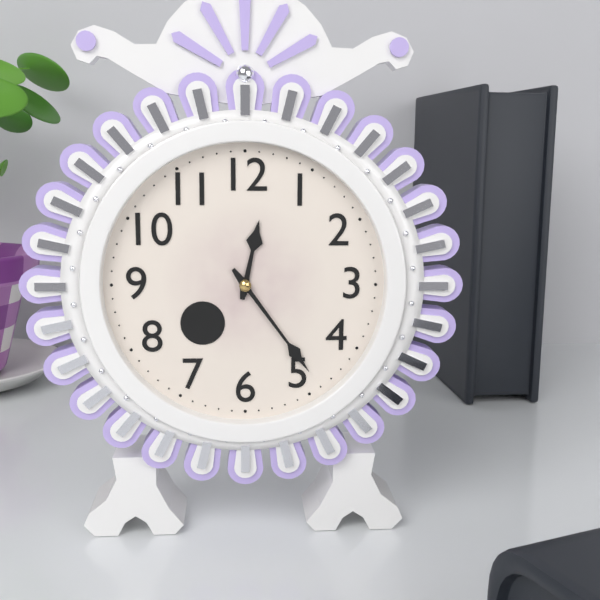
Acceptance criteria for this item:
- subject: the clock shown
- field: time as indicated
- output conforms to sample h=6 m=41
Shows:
h=12 m=24
